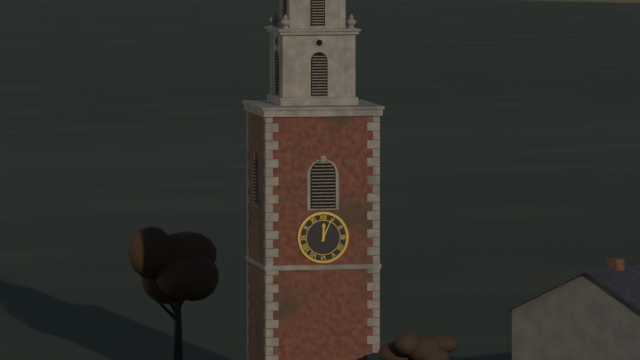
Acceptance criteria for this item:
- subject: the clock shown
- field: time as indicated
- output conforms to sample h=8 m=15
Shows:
h=12 m=4
